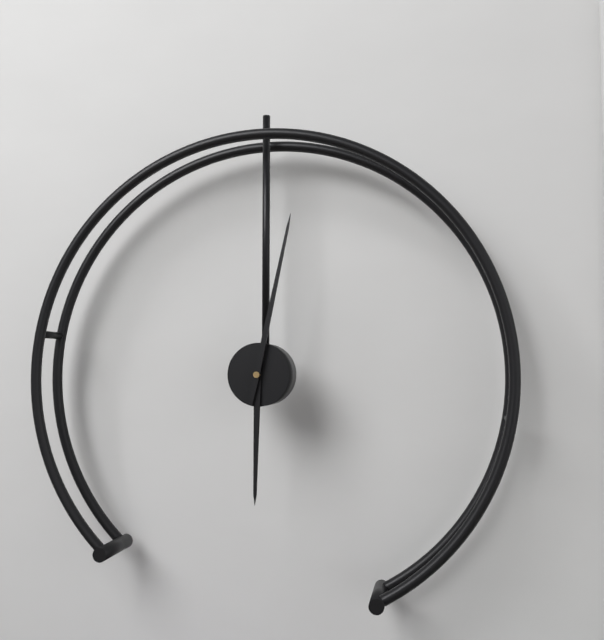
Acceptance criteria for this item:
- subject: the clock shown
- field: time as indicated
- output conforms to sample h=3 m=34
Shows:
h=6 m=2
